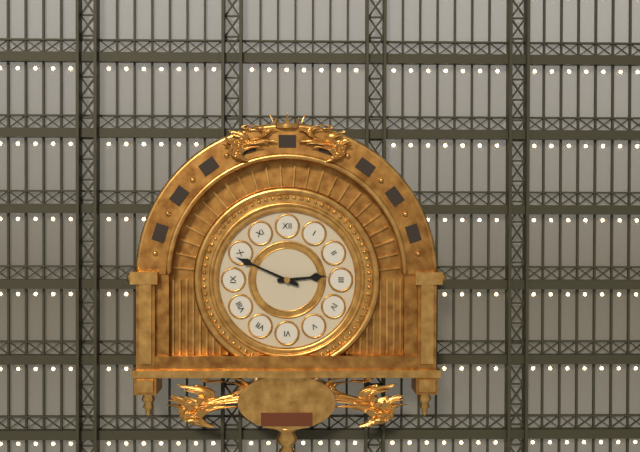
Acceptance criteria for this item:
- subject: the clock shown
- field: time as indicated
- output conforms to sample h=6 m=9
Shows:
h=2 m=49
